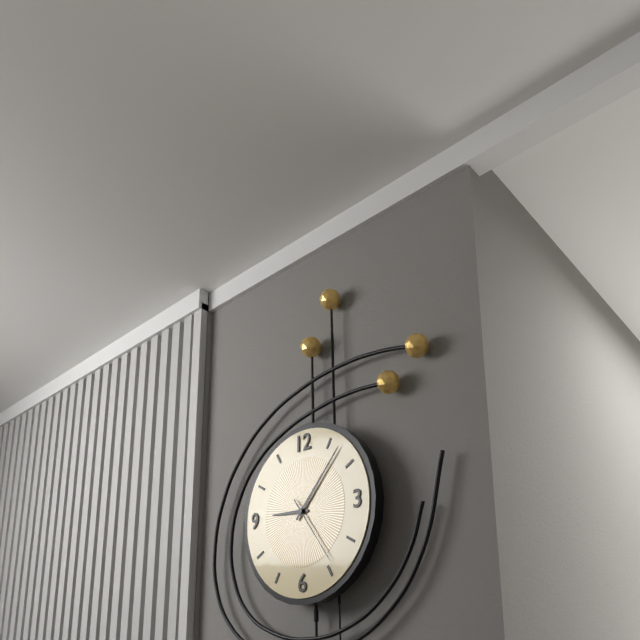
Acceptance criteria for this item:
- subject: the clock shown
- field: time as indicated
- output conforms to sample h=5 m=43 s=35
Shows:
h=9 m=7 s=24
